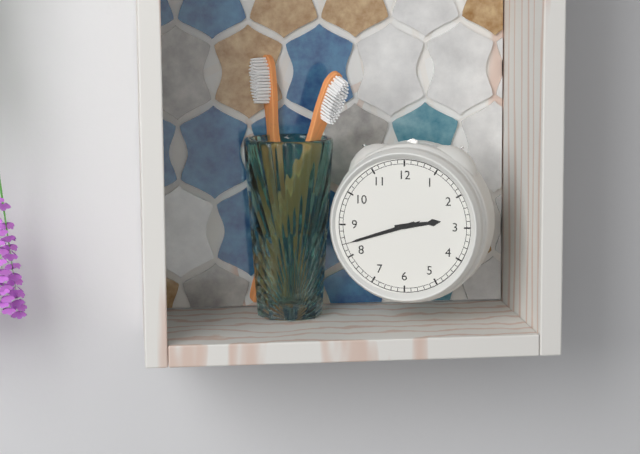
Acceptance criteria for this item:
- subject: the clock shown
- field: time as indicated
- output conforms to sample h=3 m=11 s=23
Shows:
h=2 m=42 s=42
